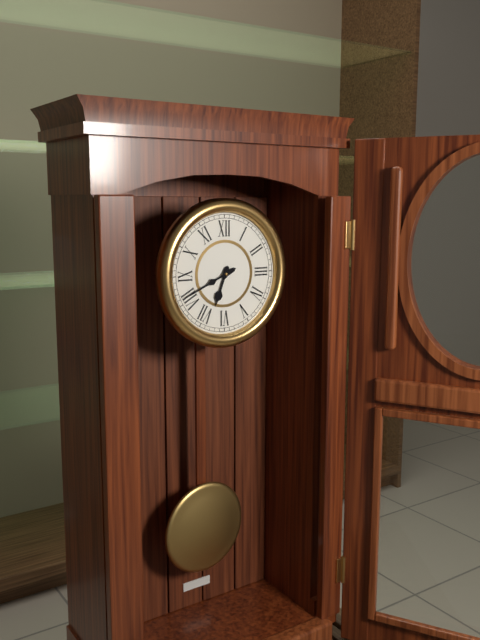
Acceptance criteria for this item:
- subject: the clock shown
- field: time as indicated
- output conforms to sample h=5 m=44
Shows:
h=6 m=41
